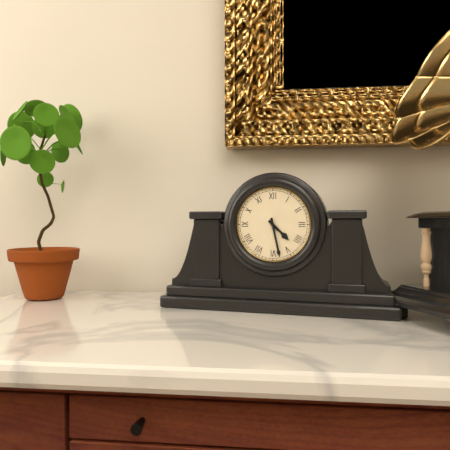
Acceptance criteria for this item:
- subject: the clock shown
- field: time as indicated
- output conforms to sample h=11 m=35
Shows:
h=4 m=28
